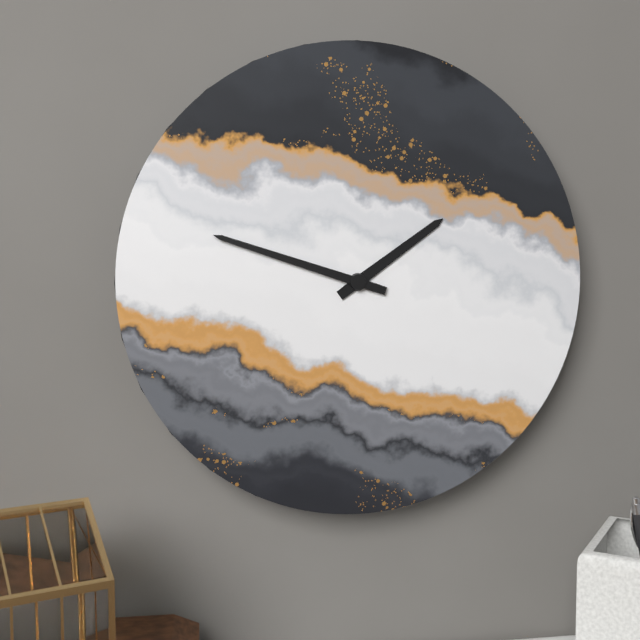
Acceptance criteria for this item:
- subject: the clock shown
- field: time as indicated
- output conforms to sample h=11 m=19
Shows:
h=1 m=48
